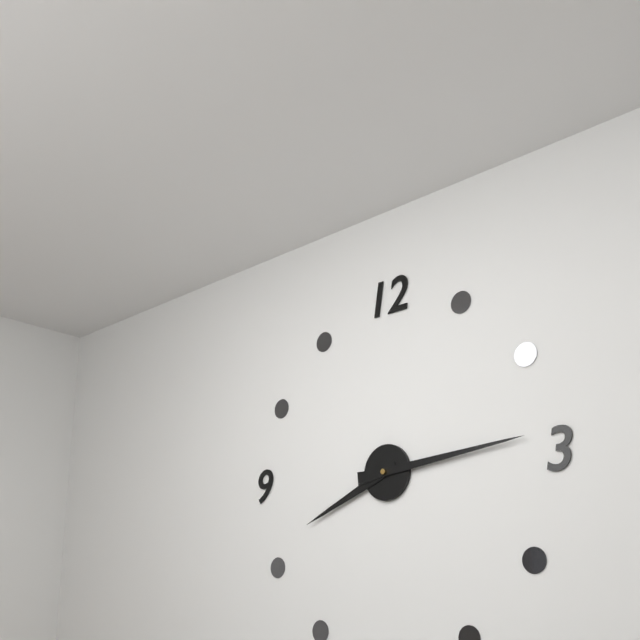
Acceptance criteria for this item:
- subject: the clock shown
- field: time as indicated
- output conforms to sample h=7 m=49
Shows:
h=8 m=14
